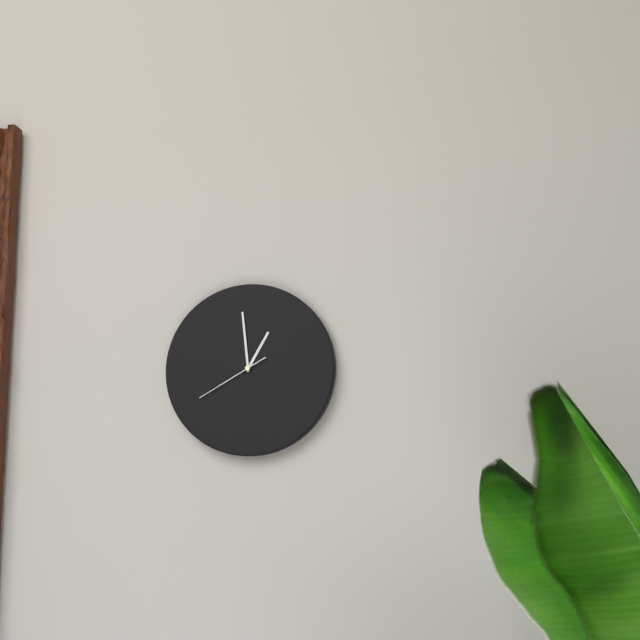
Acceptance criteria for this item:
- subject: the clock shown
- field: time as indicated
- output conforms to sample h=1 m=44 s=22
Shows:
h=12 m=59 s=40
